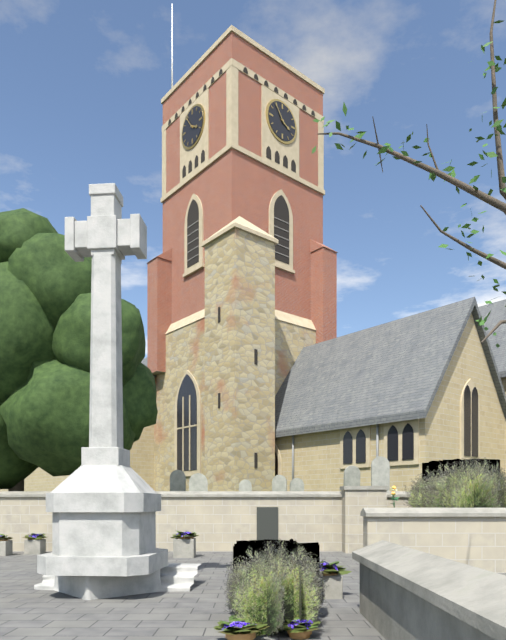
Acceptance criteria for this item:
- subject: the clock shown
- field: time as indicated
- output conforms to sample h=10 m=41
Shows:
h=3 m=54
